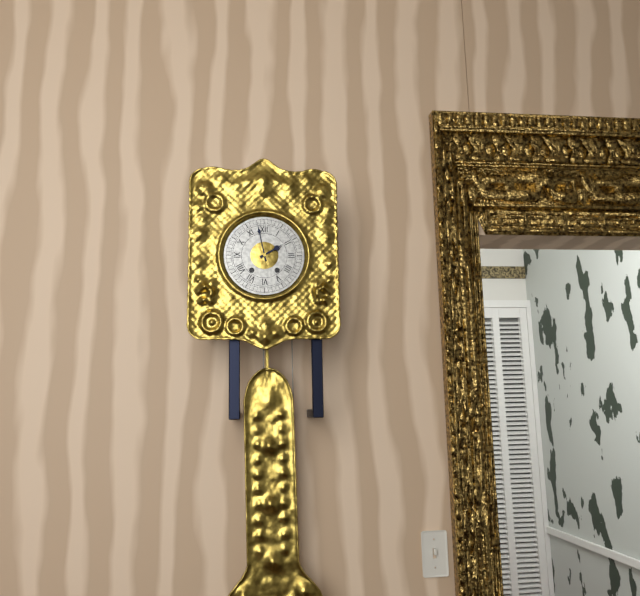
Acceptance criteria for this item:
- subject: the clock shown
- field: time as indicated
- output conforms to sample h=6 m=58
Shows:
h=1 m=58
